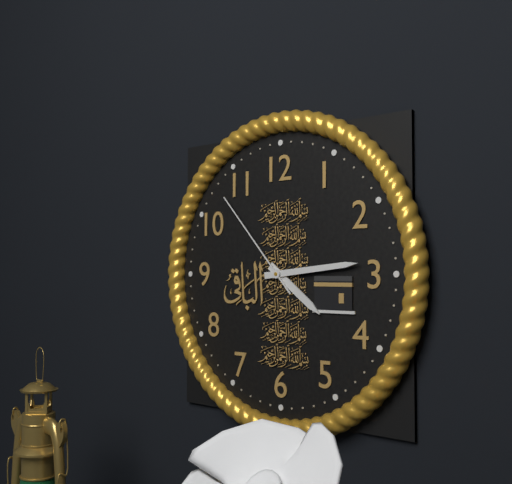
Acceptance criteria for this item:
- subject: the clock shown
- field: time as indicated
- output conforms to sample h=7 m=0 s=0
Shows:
h=4 m=14 s=53
